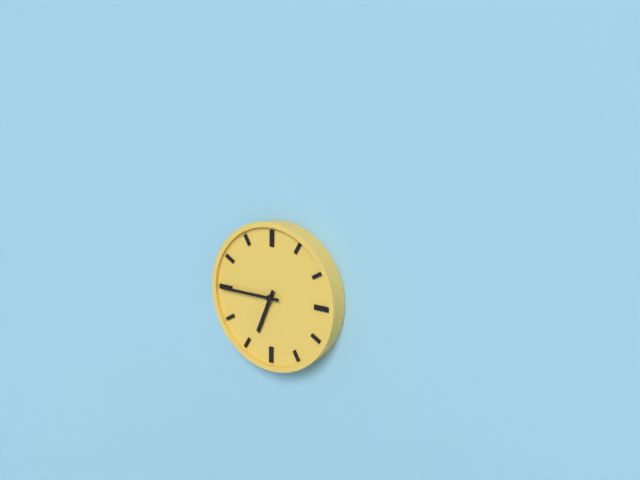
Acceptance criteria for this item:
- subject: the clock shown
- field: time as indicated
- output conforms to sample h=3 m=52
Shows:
h=6 m=45
